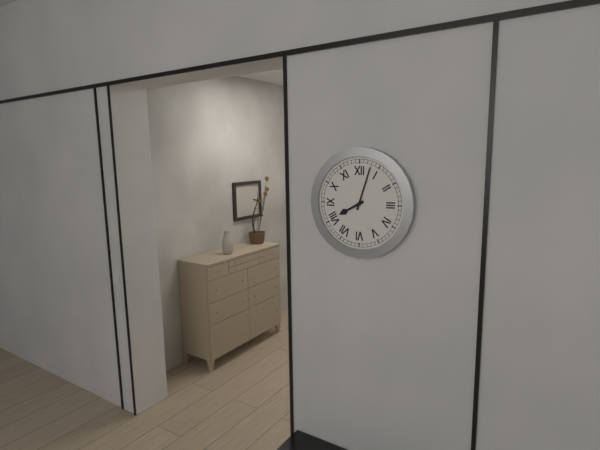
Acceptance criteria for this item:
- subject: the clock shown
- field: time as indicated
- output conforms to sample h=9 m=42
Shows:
h=8 m=3
